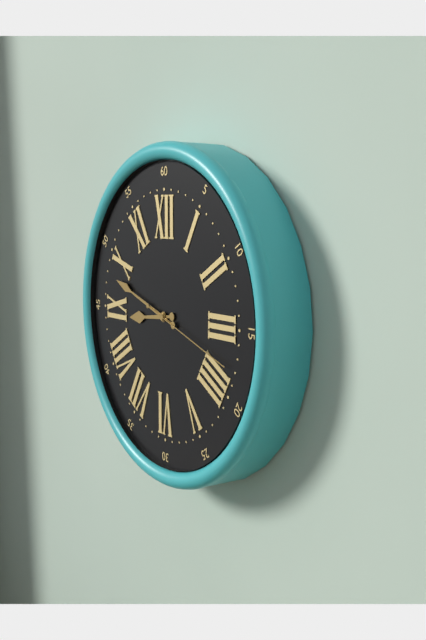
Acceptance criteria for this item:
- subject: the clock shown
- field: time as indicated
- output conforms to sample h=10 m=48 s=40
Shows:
h=8 m=48 s=18
